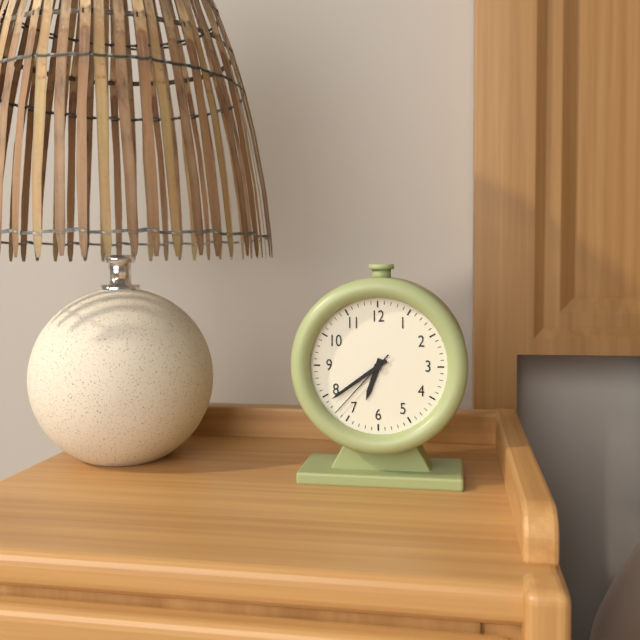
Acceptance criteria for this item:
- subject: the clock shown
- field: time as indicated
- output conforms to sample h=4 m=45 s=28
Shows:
h=6 m=39 s=37
